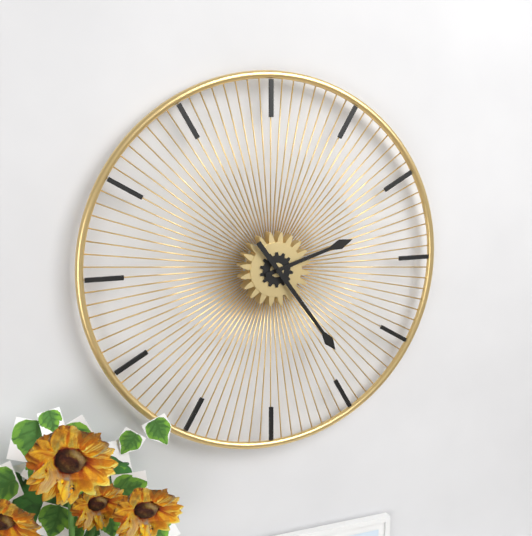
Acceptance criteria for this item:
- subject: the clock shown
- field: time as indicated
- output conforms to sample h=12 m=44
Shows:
h=2 m=24
